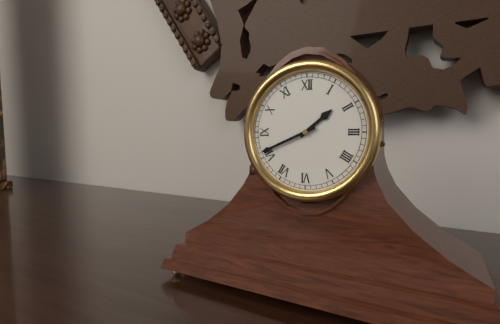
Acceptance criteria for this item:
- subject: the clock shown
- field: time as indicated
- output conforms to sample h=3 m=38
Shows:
h=1 m=41
